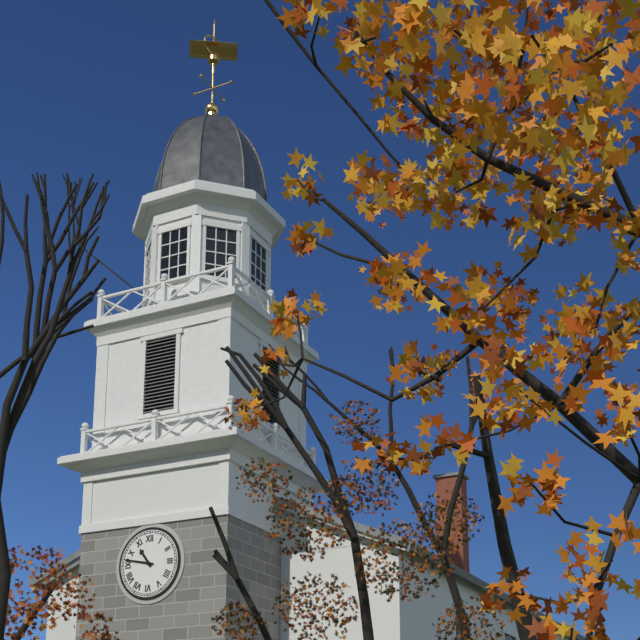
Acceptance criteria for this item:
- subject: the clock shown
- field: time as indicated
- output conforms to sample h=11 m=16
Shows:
h=10 m=47
